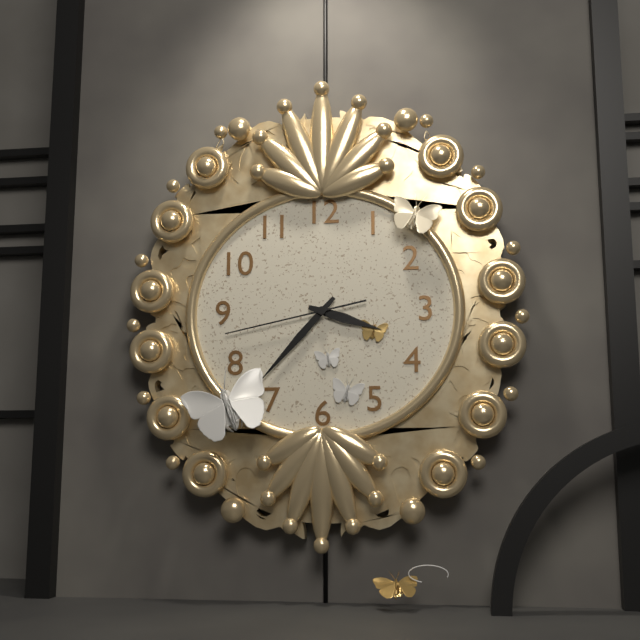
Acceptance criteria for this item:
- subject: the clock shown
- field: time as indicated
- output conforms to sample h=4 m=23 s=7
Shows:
h=3 m=37 s=43
